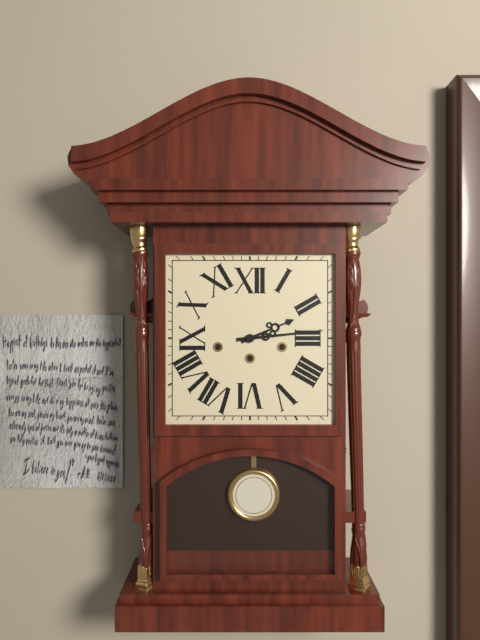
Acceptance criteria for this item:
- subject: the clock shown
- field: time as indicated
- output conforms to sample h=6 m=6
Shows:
h=2 m=14
